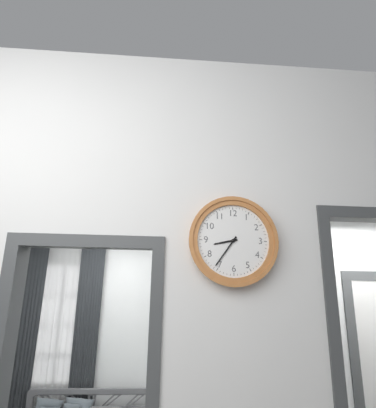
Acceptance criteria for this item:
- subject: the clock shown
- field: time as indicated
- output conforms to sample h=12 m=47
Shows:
h=8 m=36
